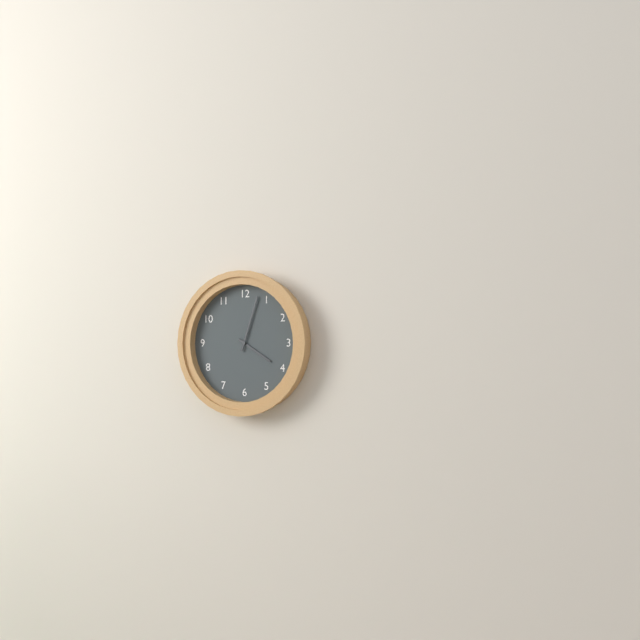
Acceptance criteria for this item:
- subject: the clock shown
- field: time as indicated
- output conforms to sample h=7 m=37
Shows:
h=4 m=3
